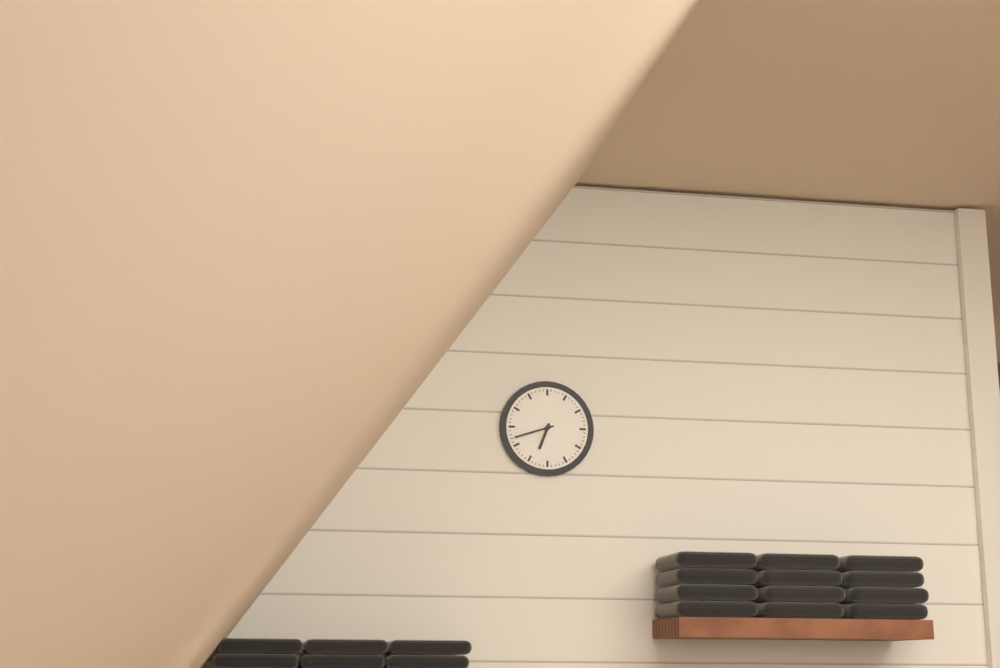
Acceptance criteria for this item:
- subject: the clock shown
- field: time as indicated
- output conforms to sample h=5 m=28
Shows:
h=6 m=42
